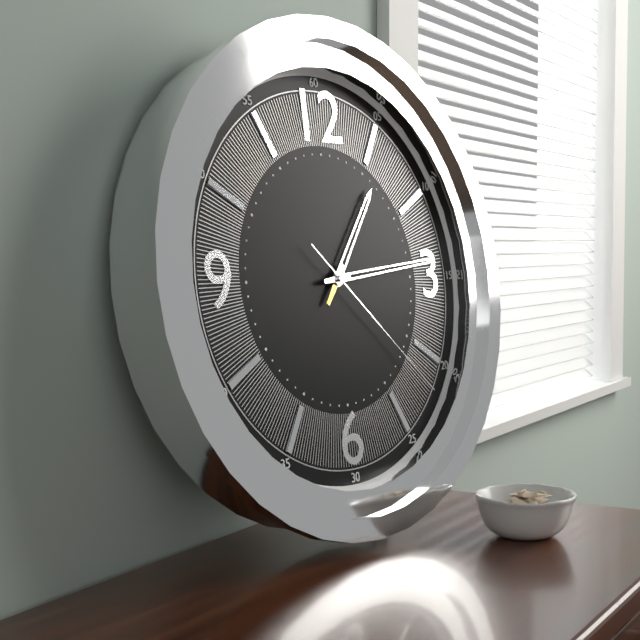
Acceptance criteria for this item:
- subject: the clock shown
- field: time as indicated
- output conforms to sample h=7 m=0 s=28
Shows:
h=1 m=14 s=22
